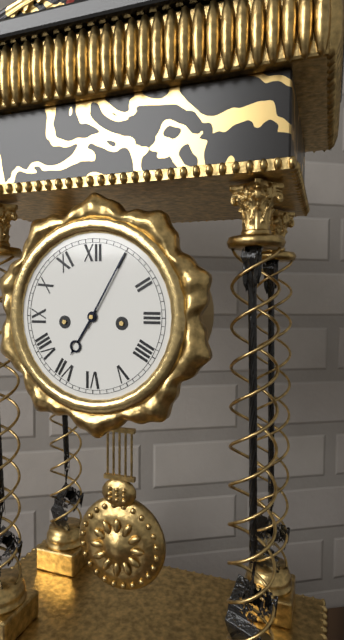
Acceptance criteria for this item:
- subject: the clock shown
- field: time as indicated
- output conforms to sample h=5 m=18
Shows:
h=7 m=5
